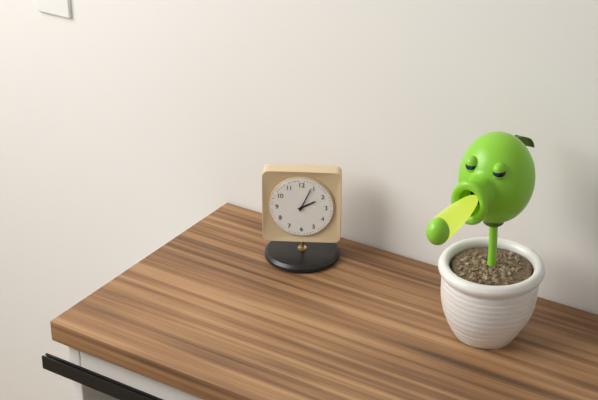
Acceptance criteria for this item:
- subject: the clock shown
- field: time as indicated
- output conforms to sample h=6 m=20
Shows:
h=2 m=4
